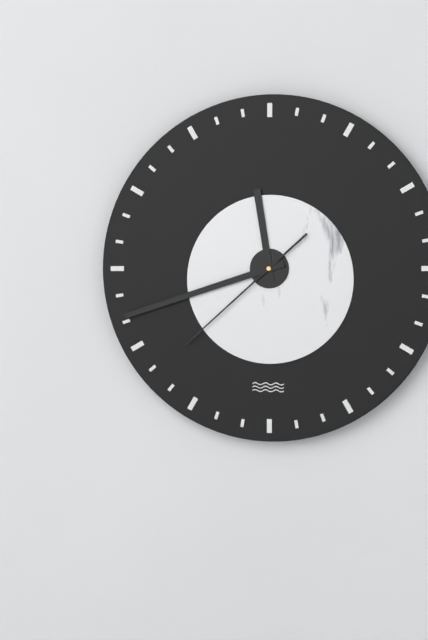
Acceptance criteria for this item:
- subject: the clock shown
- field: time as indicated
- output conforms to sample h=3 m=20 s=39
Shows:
h=11 m=42 s=38
